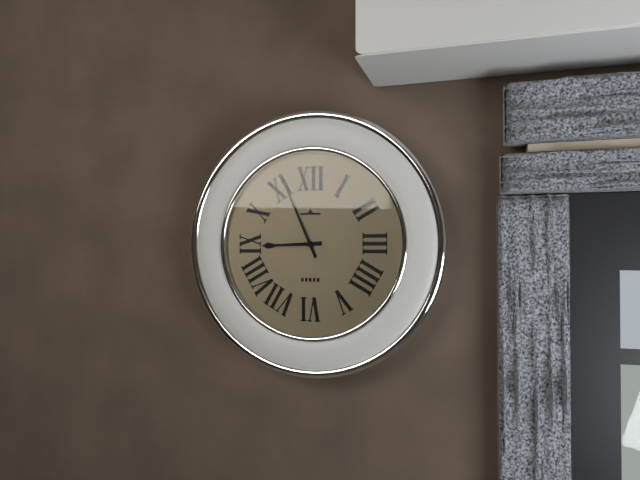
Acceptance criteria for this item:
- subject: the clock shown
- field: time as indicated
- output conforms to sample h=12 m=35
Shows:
h=8 m=56
